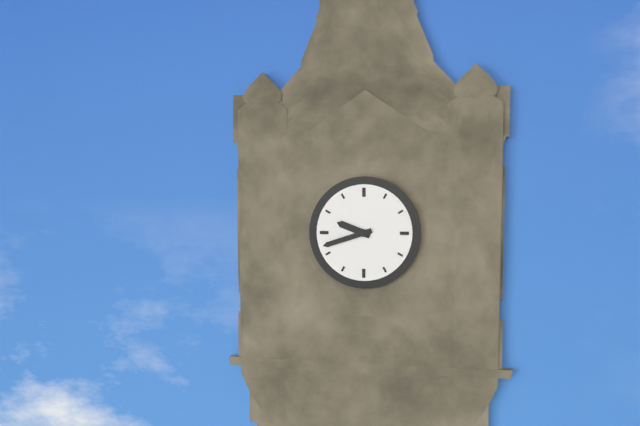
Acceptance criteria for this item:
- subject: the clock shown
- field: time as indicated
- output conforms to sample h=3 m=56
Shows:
h=9 m=42
